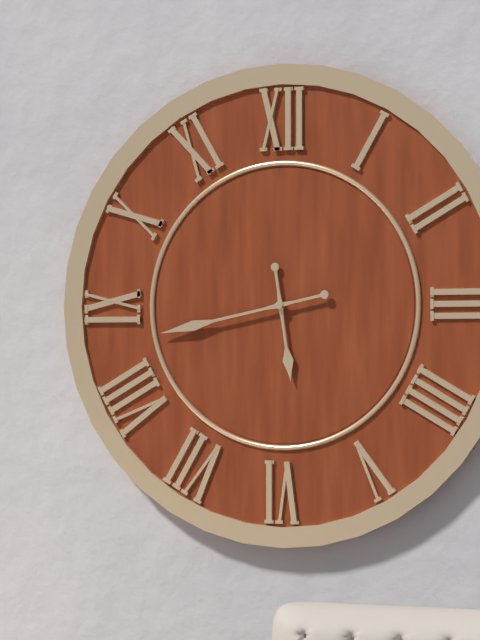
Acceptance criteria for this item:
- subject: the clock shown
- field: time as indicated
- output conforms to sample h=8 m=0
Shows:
h=5 m=43
